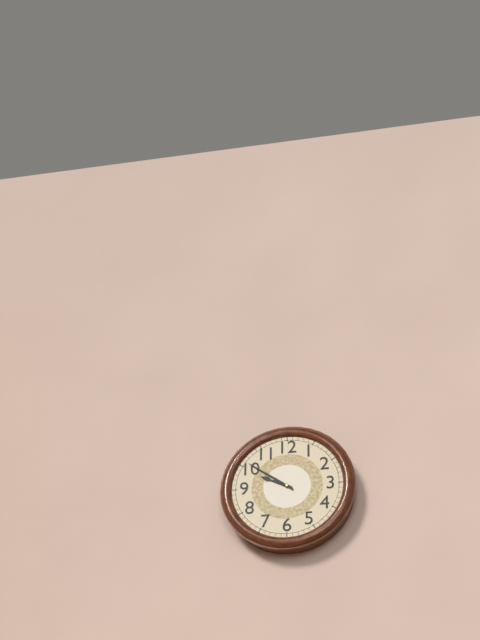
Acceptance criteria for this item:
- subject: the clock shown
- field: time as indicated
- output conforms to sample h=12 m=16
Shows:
h=9 m=51
